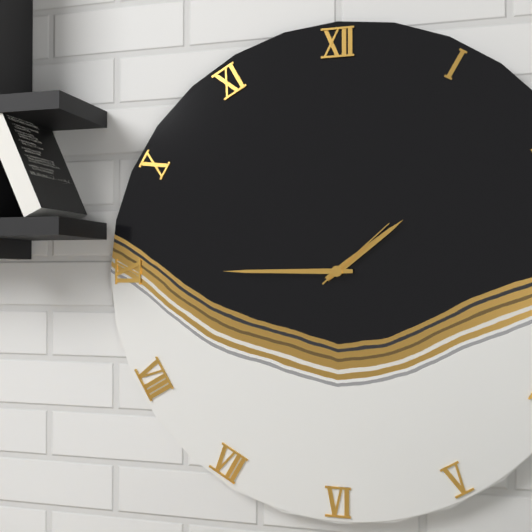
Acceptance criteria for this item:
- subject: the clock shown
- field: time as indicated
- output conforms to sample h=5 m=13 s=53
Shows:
h=1 m=45 s=8
